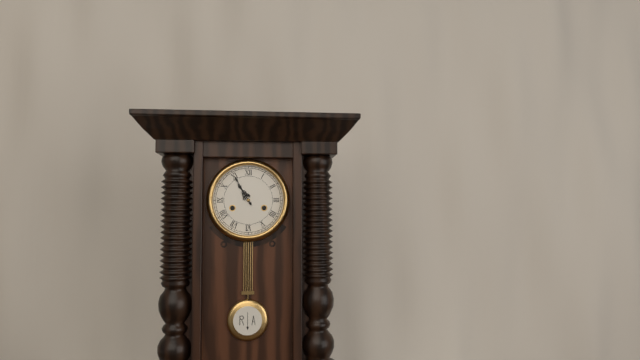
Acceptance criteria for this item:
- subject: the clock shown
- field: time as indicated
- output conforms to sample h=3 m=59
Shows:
h=10 m=55
